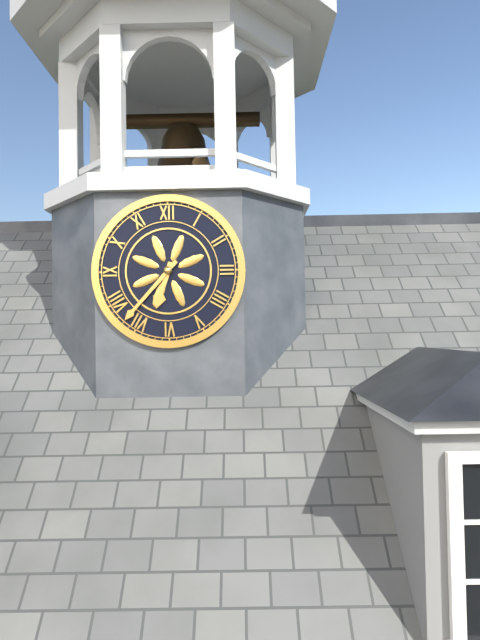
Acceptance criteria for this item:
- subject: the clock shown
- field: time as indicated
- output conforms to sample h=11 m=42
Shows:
h=6 m=37
